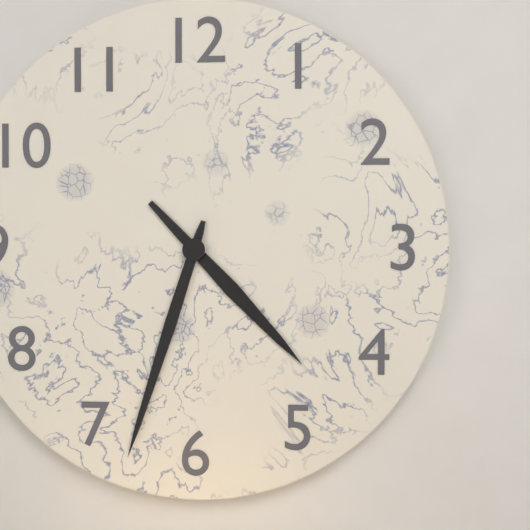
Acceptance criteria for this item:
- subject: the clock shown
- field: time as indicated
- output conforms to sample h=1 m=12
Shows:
h=4 m=33
